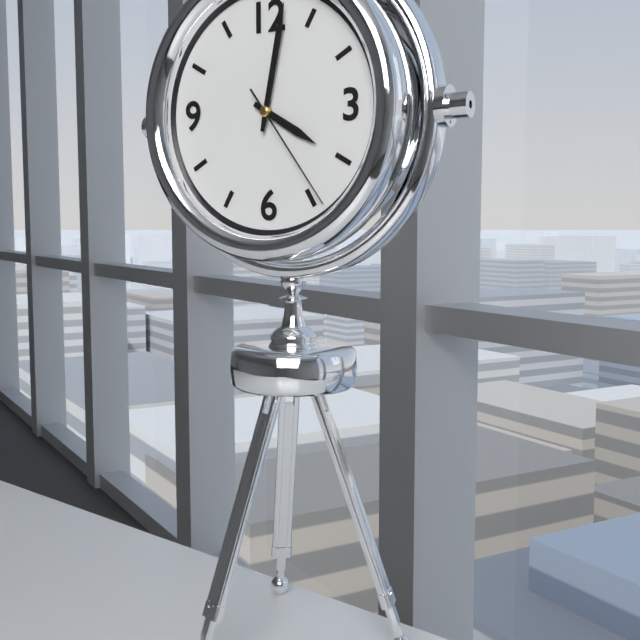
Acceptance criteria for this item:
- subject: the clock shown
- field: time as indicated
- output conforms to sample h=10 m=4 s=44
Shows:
h=4 m=2 s=24
